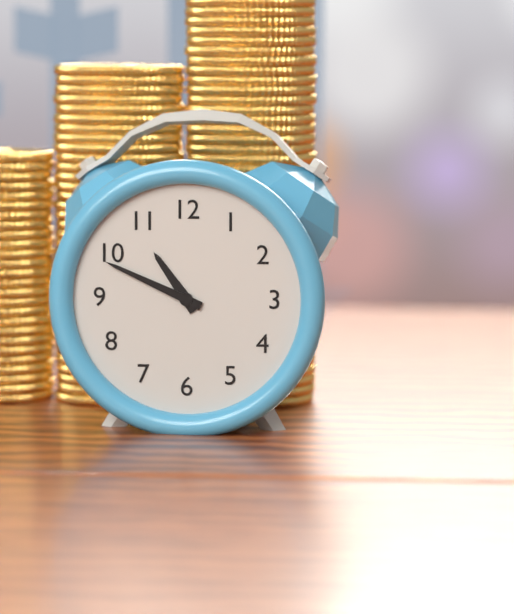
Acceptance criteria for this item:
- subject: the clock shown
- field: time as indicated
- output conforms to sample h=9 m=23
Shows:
h=10 m=49
